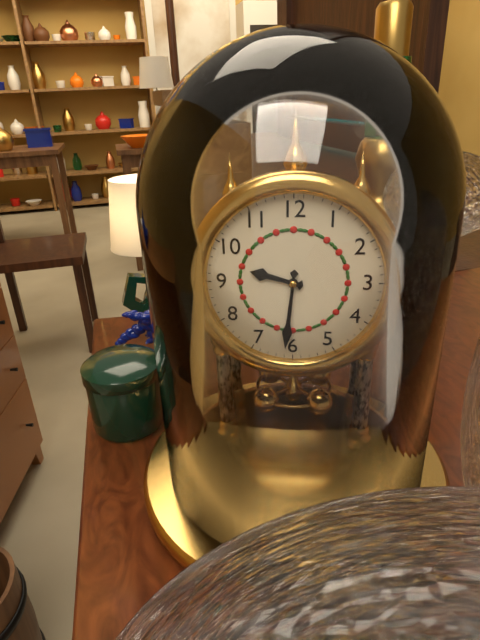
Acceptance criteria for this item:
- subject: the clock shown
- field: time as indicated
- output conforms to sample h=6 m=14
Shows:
h=9 m=31
